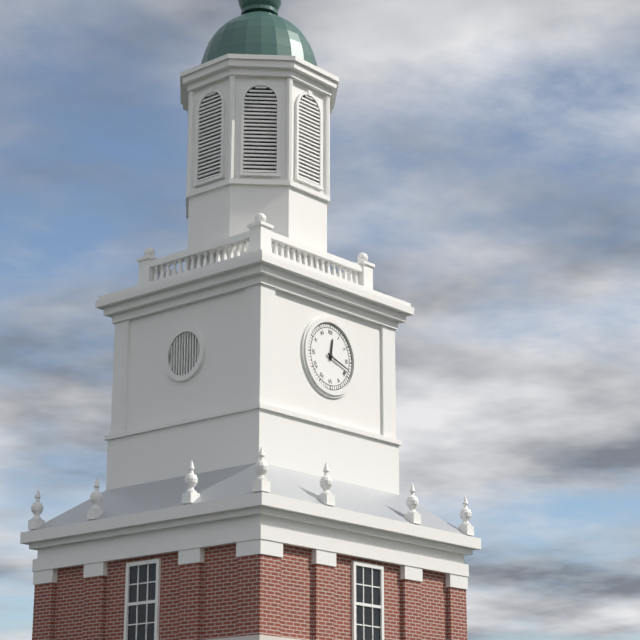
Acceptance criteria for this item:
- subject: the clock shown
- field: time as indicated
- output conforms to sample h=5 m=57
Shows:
h=12 m=18
